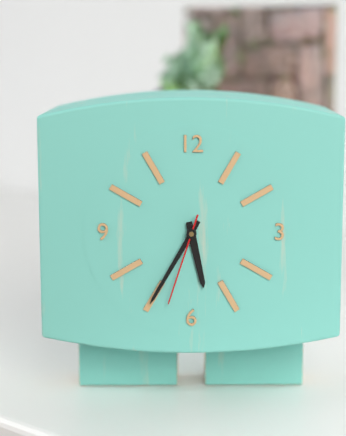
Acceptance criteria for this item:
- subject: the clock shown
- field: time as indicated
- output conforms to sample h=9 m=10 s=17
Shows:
h=5 m=35 s=33
